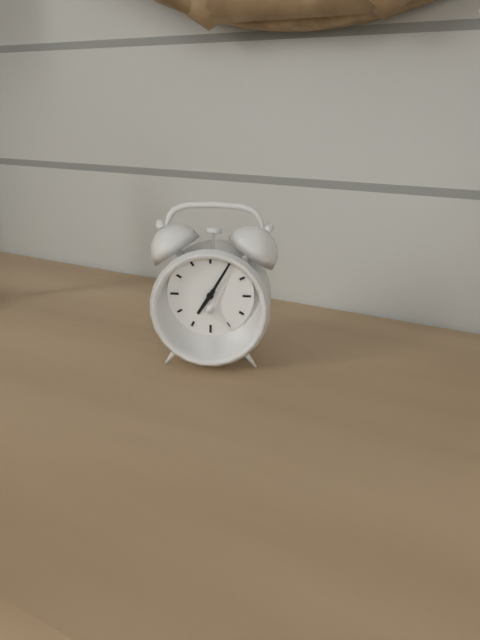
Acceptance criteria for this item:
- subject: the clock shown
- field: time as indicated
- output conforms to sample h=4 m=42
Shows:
h=7 m=5
